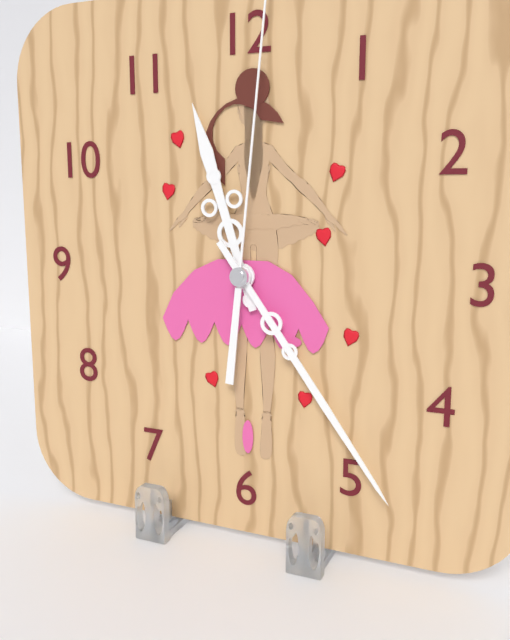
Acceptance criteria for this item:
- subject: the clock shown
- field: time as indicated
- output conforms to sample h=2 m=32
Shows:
h=11 m=24
